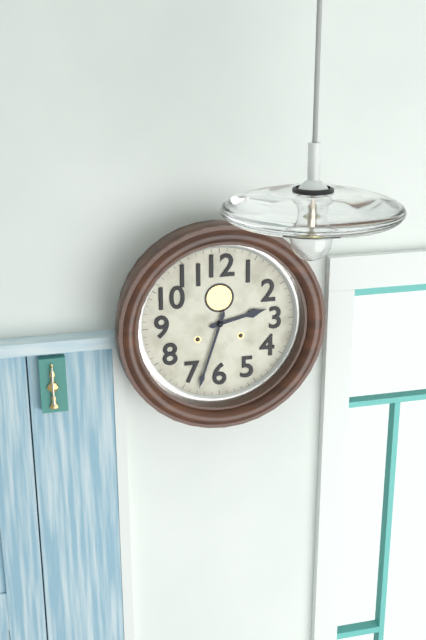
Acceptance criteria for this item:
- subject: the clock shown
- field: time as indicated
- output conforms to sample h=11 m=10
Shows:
h=2 m=33
